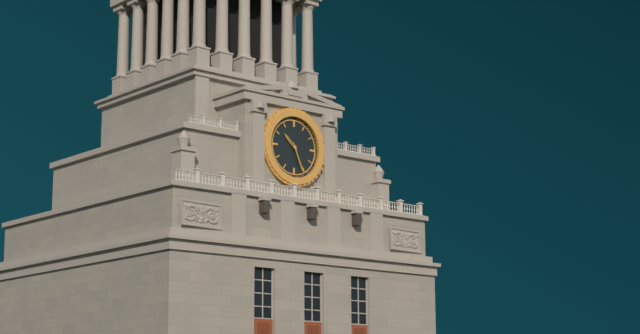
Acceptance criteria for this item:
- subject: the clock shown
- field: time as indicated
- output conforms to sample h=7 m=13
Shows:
h=10 m=26
